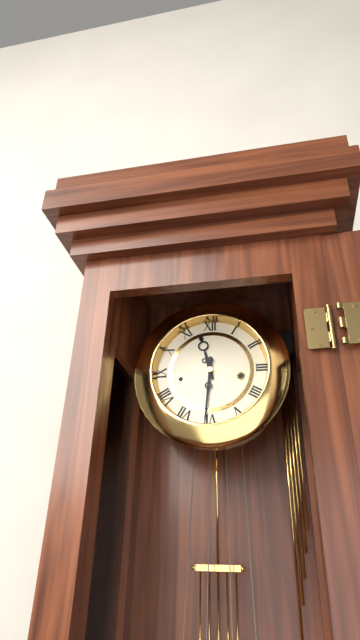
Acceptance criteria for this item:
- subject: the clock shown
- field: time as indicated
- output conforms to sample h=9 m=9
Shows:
h=11 m=31
